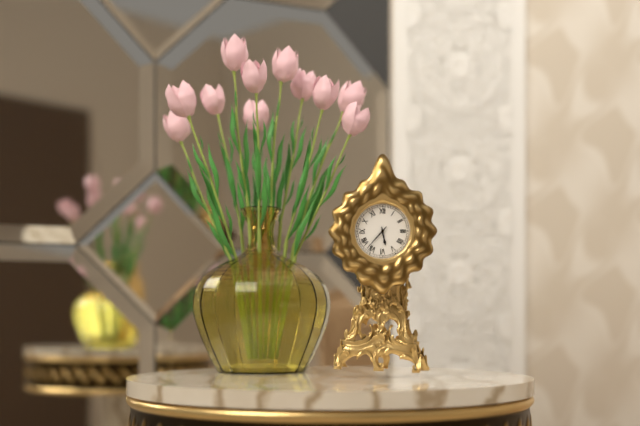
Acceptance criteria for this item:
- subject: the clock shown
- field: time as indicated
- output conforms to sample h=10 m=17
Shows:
h=5 m=37
